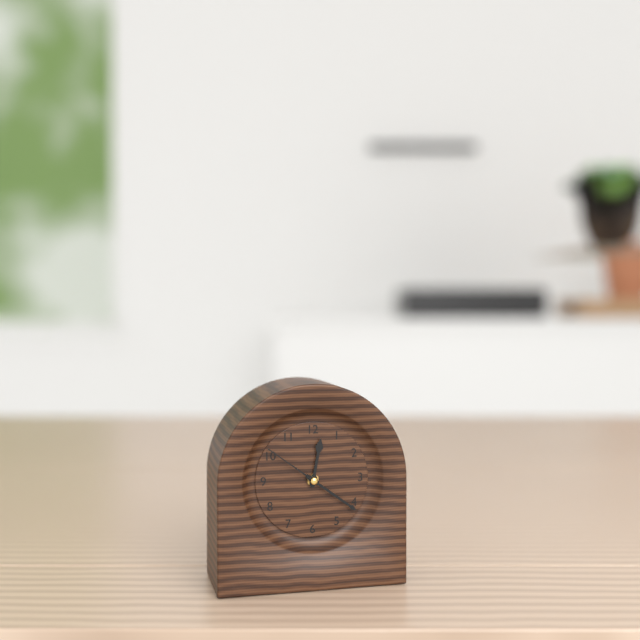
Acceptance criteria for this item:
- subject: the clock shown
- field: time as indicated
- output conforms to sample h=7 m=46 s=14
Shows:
h=12 m=21 s=51
